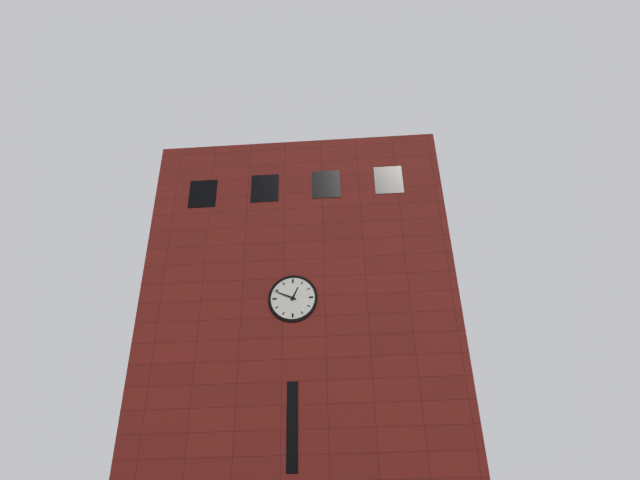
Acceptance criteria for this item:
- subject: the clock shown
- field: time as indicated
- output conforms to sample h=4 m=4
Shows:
h=12 m=49
